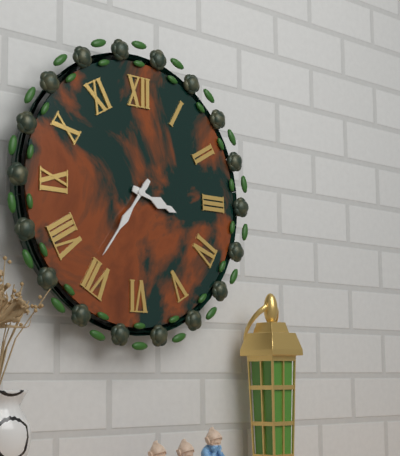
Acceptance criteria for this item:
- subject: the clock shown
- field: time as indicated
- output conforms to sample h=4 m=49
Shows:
h=3 m=36
